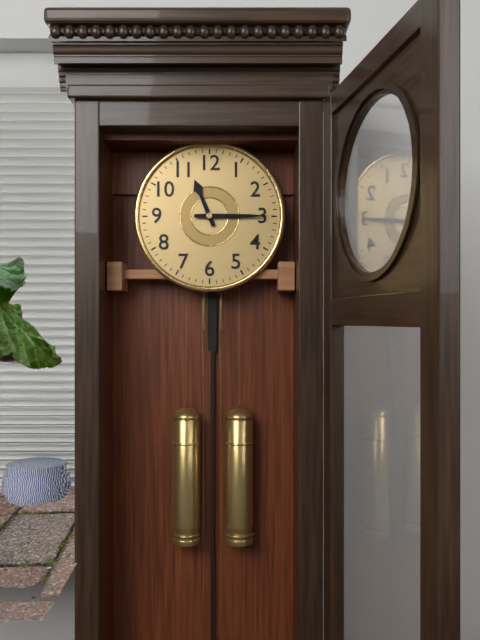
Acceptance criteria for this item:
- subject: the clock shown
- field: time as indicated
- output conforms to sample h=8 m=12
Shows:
h=11 m=15
